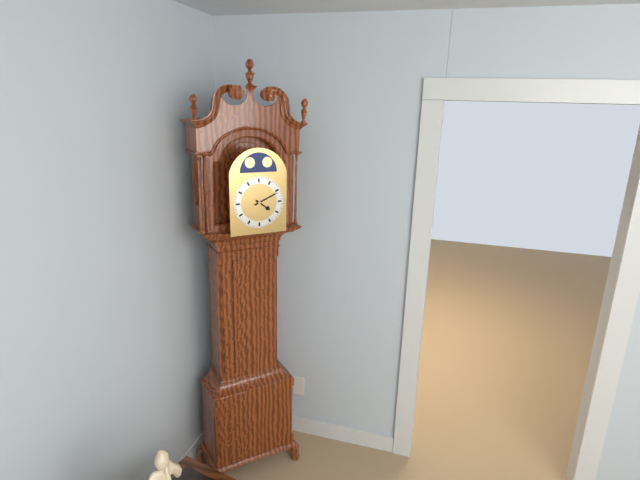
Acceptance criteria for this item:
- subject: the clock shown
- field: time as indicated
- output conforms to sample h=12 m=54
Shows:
h=4 m=11
